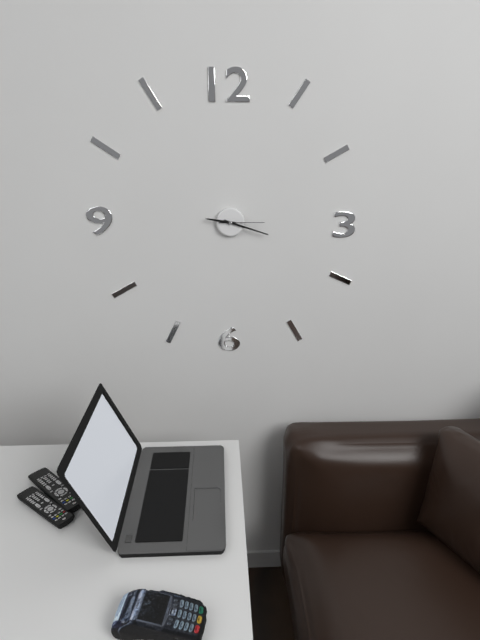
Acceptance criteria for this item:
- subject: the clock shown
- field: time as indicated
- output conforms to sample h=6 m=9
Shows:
h=9 m=18
